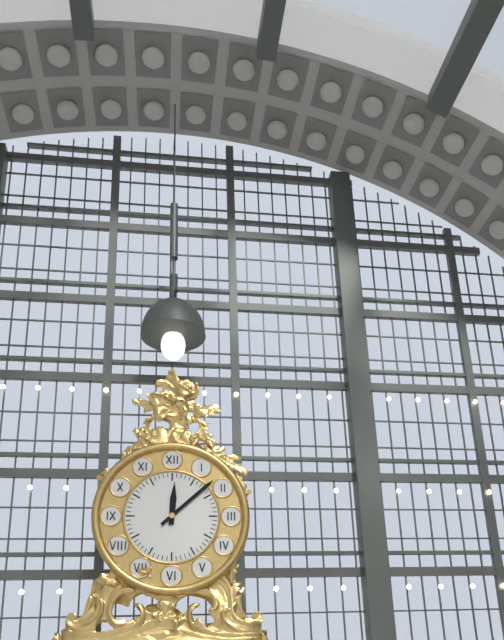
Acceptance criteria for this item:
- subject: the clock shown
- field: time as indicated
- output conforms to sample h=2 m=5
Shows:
h=12 m=8
